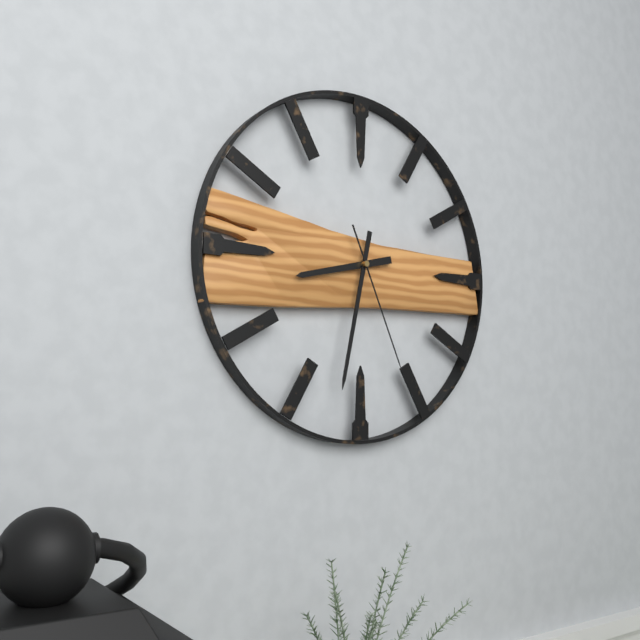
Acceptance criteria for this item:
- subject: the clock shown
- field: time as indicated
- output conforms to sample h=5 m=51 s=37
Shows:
h=8 m=32 s=26
